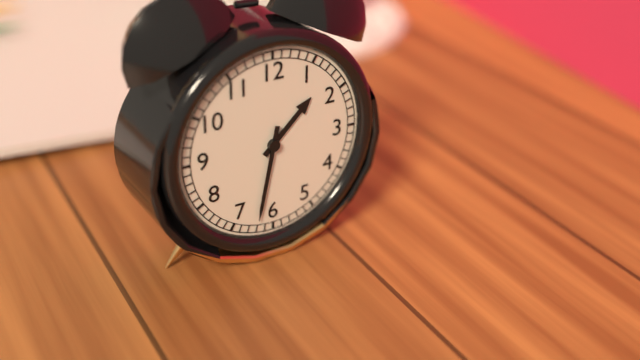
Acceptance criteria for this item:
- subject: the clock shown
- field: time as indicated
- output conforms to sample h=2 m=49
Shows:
h=1 m=32
